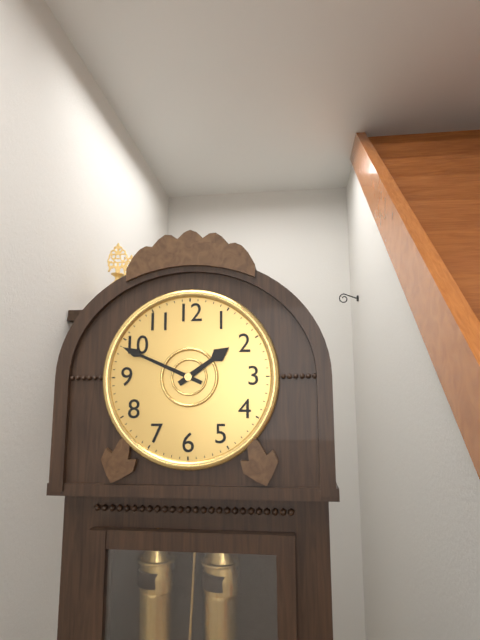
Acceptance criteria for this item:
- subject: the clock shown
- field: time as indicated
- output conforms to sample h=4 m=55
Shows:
h=1 m=49
